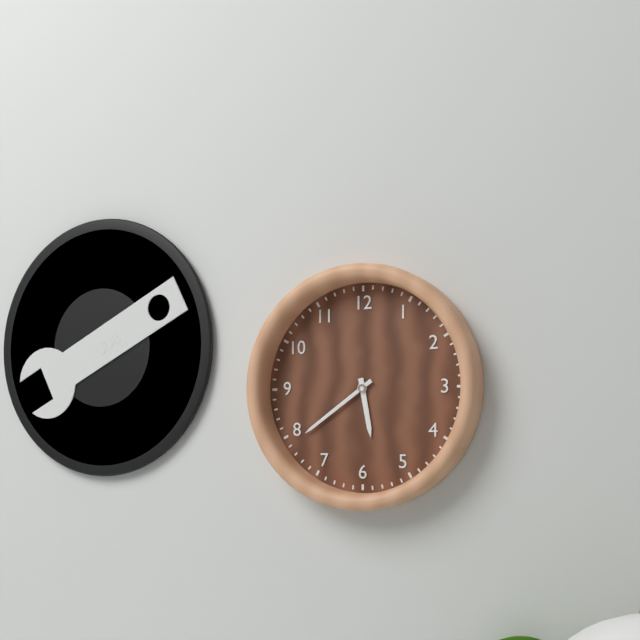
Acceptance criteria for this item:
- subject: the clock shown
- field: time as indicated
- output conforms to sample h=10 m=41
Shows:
h=5 m=39
